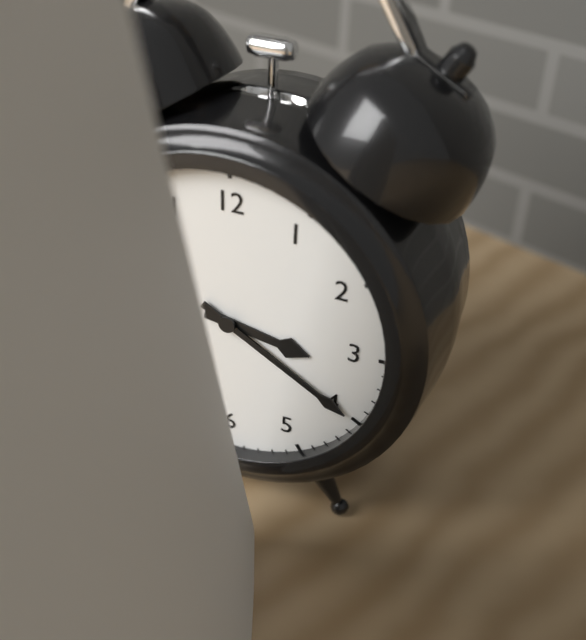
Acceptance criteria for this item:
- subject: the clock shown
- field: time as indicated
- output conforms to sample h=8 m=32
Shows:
h=3 m=20
